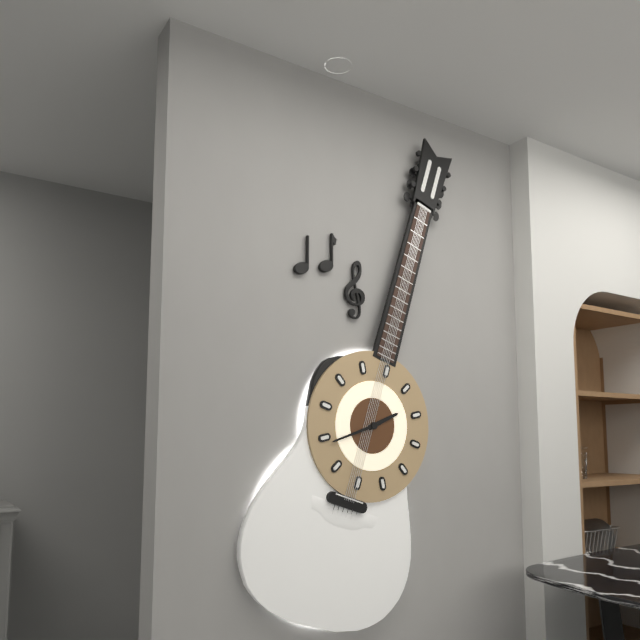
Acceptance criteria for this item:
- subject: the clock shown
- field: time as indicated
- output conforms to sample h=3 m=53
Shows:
h=1 m=39
